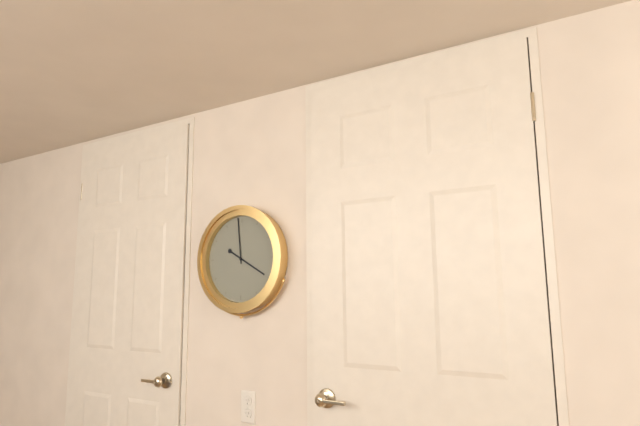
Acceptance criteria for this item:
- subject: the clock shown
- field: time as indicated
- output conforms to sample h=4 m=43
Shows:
h=3 m=59
